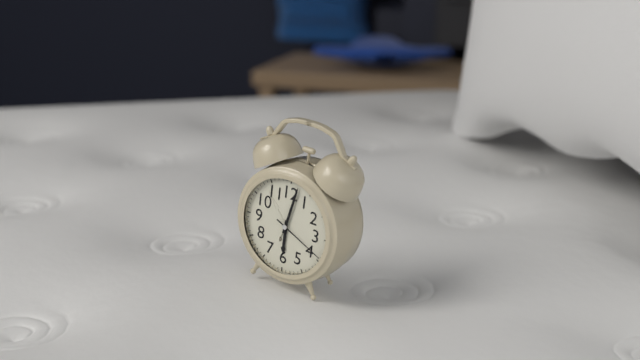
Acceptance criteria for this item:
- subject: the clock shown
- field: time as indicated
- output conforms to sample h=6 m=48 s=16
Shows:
h=6 m=2 s=19
